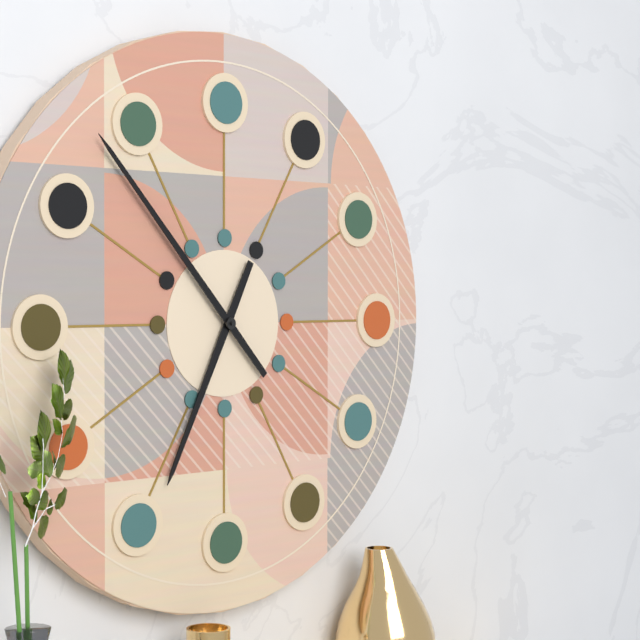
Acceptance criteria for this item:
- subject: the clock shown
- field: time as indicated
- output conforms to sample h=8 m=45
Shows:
h=6 m=53
